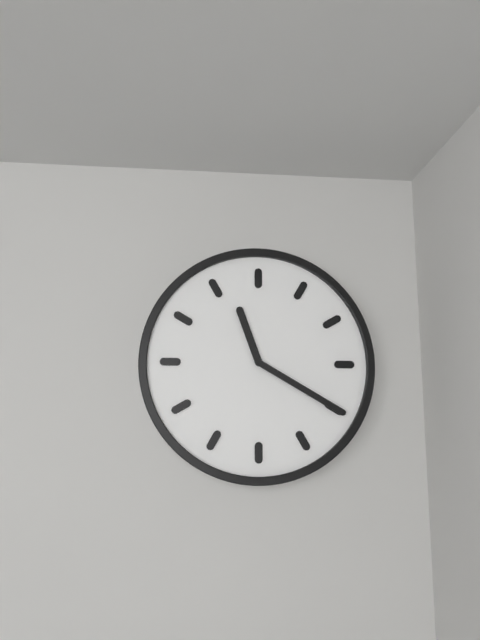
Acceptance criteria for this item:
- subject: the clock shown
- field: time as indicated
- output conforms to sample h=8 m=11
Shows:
h=11 m=20
